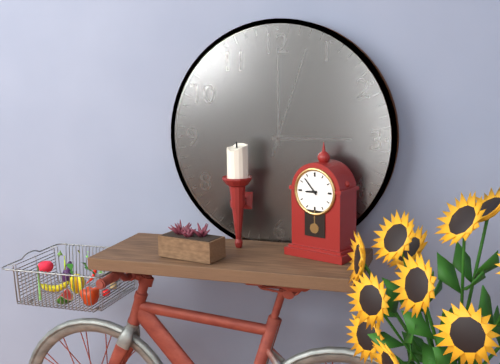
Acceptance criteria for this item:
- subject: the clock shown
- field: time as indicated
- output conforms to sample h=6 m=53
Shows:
h=8 m=53
